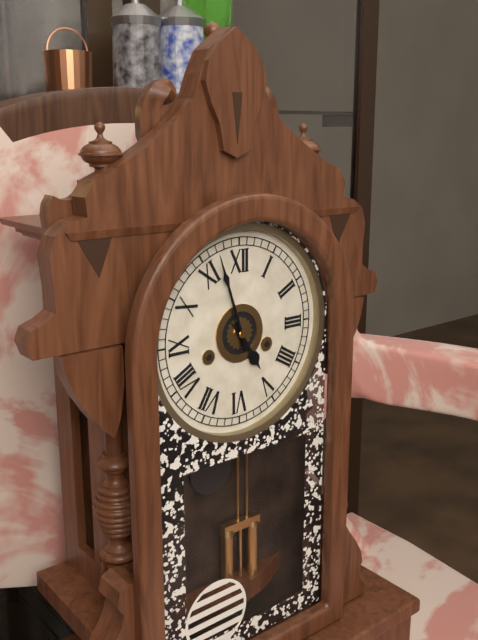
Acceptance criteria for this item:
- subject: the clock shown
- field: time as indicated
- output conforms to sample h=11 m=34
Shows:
h=4 m=57
